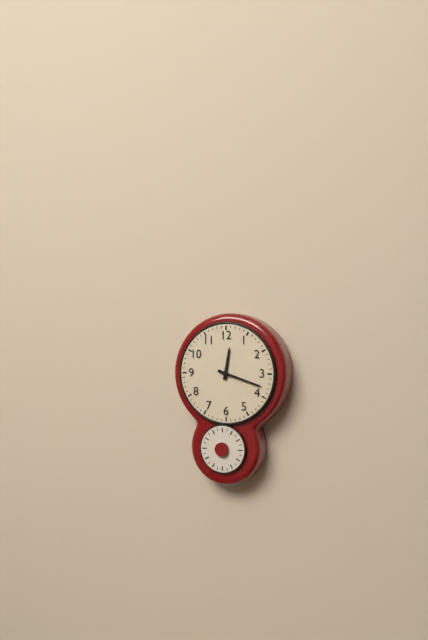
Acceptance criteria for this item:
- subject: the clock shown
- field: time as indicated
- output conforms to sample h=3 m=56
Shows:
h=12 m=18
